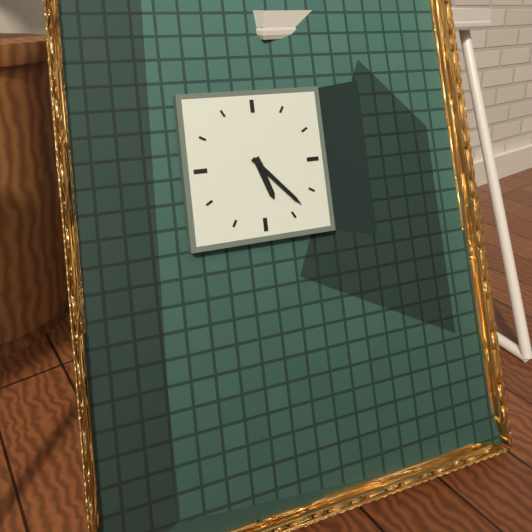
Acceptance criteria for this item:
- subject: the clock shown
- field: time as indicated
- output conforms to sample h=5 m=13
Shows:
h=5 m=23
